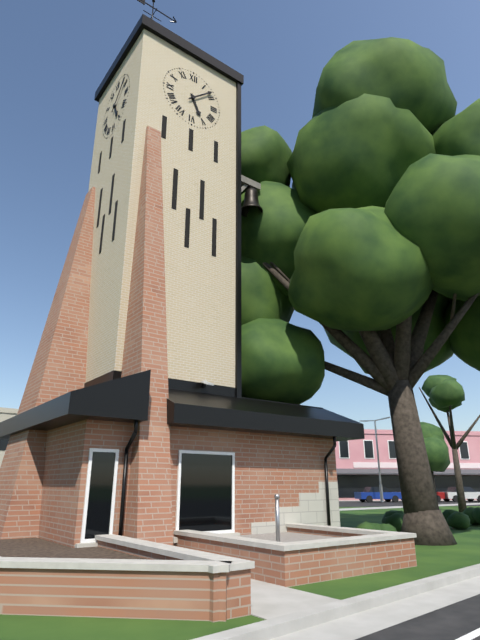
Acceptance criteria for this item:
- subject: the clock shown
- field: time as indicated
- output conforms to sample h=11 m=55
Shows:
h=5 m=8
